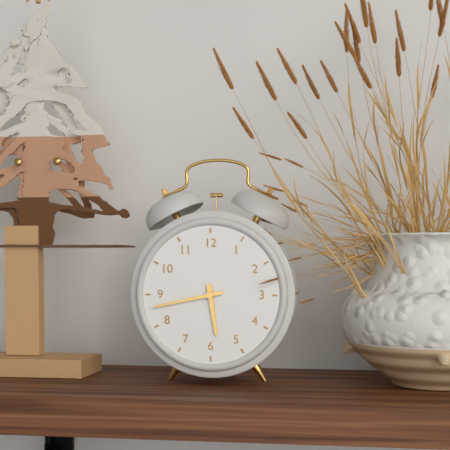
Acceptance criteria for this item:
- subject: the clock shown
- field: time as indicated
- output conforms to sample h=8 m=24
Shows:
h=5 m=43
